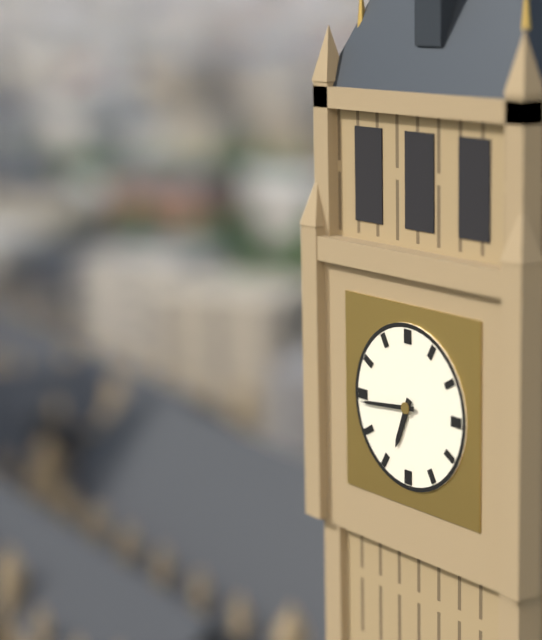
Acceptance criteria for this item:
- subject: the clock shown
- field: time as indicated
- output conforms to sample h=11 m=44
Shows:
h=6 m=44
